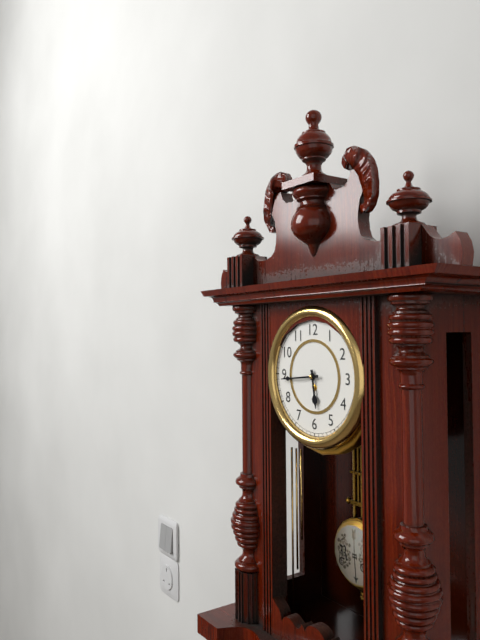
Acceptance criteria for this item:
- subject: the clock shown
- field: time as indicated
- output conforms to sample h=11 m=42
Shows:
h=5 m=44
